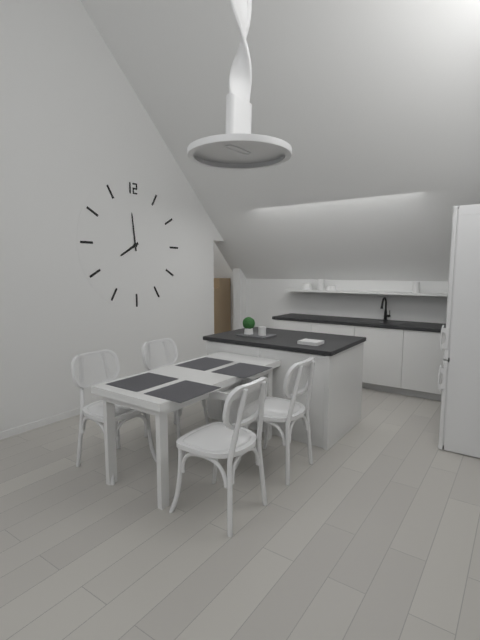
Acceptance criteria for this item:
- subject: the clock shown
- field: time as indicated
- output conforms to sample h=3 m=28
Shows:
h=7 m=59
